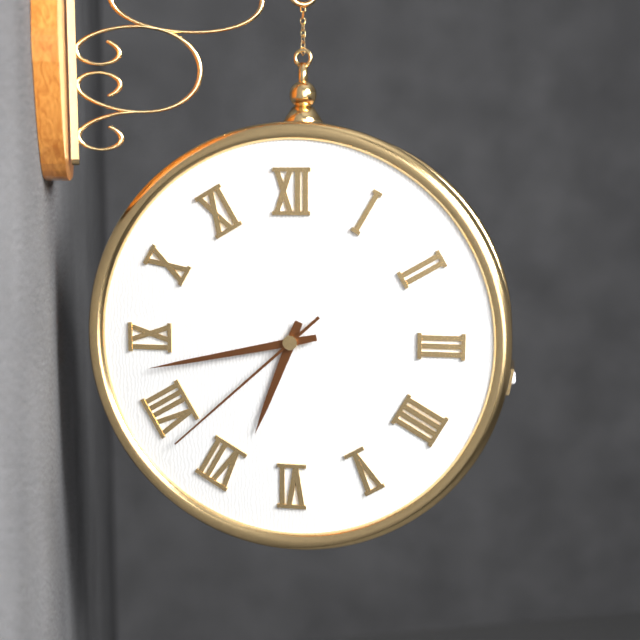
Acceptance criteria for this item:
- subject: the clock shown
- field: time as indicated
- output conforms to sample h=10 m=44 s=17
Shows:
h=6 m=43 s=38
